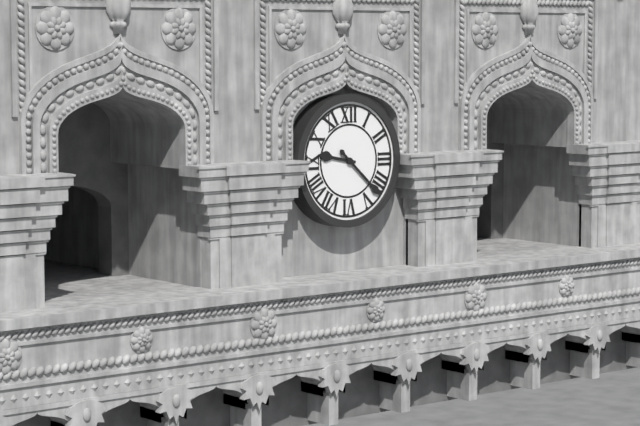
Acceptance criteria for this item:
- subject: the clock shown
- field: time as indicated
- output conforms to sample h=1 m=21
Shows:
h=9 m=22
